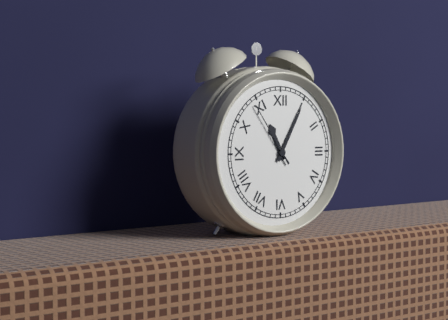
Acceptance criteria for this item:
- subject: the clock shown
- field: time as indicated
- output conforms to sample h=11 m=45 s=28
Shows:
h=11 m=5 s=54
